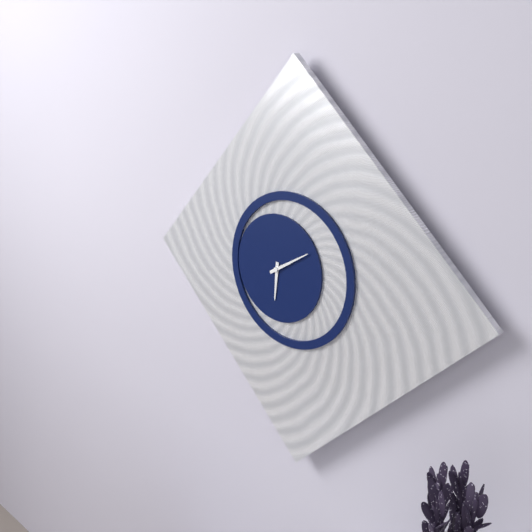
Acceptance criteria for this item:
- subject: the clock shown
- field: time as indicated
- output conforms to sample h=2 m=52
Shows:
h=6 m=10
